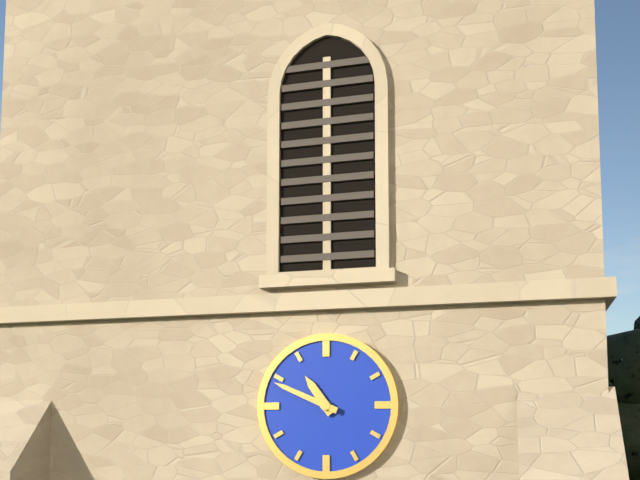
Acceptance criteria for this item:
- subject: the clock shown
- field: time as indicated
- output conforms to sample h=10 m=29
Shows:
h=10 m=49
